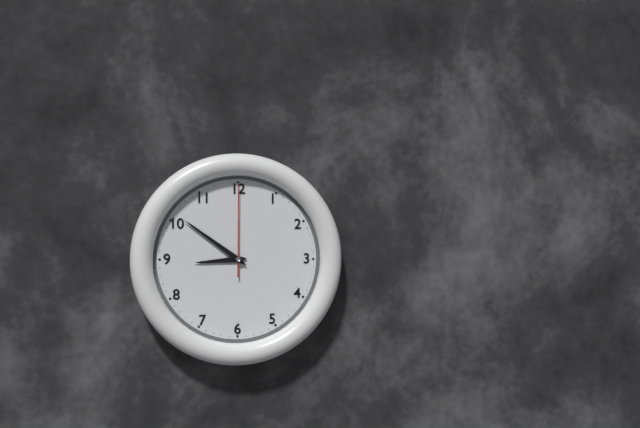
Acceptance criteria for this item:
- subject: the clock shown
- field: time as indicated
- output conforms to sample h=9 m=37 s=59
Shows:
h=8 m=51 s=0
